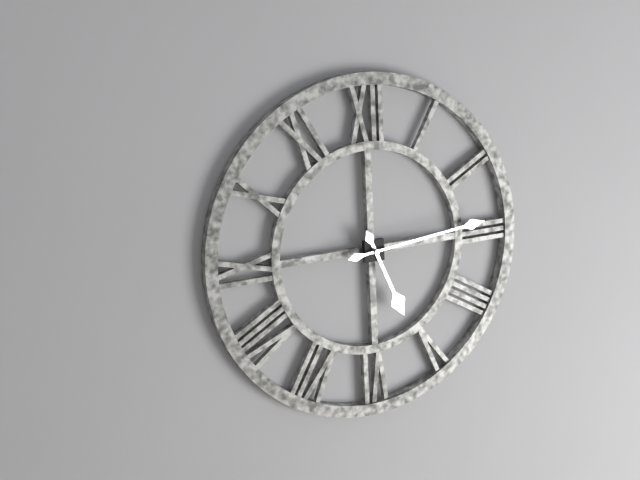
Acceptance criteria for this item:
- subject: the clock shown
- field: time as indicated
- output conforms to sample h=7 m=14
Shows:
h=5 m=14
